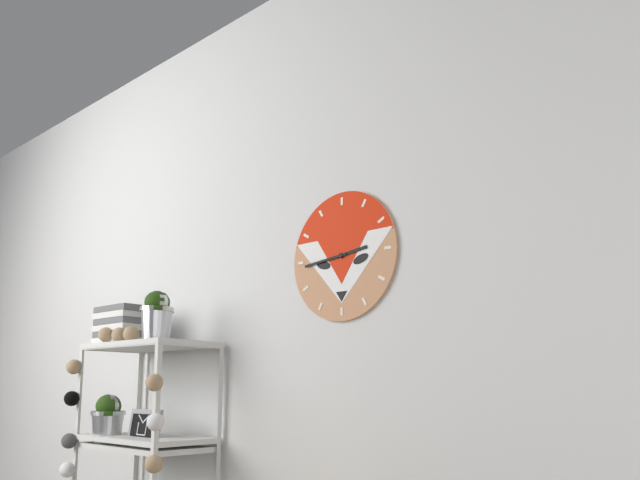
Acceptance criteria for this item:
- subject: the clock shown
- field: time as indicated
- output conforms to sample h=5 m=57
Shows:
h=2 m=44
